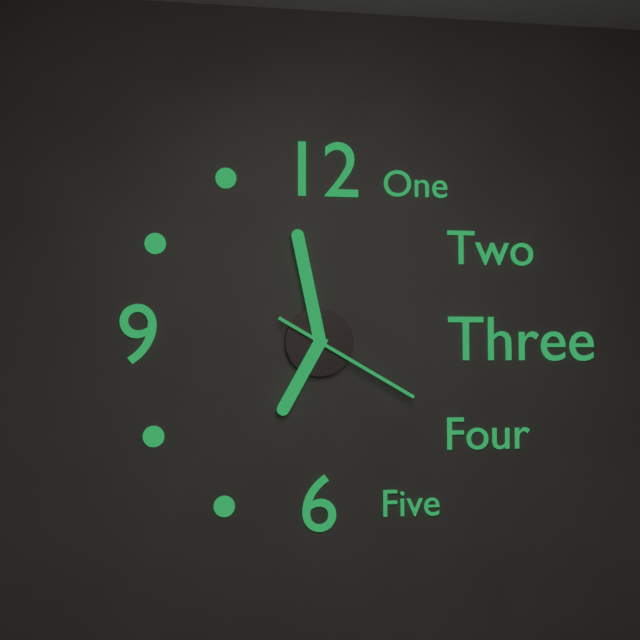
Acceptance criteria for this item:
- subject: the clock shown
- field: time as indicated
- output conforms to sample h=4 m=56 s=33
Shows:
h=6 m=58 s=20
